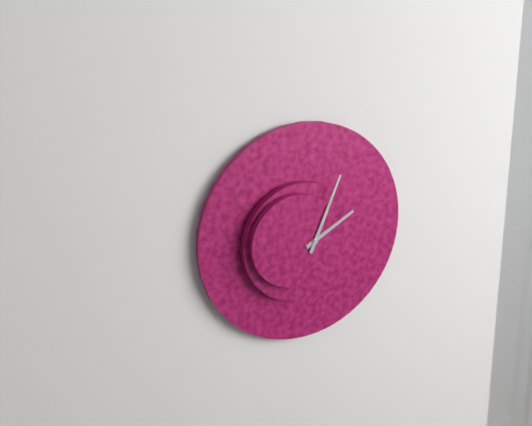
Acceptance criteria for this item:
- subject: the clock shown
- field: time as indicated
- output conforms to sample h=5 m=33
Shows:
h=2 m=4
